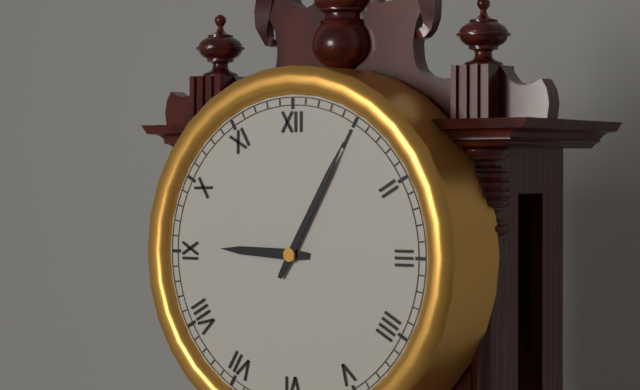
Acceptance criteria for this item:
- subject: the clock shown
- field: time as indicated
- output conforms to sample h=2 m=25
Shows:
h=9 m=5
